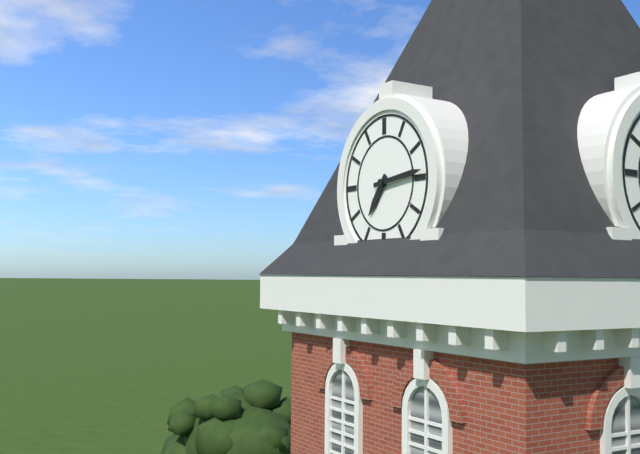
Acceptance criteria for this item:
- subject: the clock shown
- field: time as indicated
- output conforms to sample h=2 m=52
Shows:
h=7 m=14
